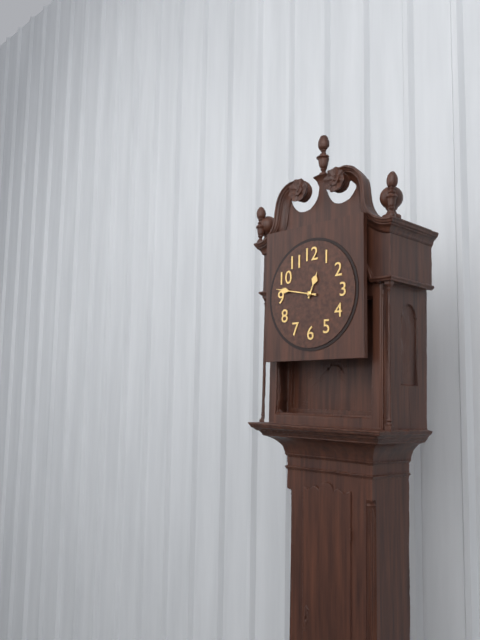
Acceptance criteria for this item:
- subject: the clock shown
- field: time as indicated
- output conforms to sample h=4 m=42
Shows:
h=12 m=47
